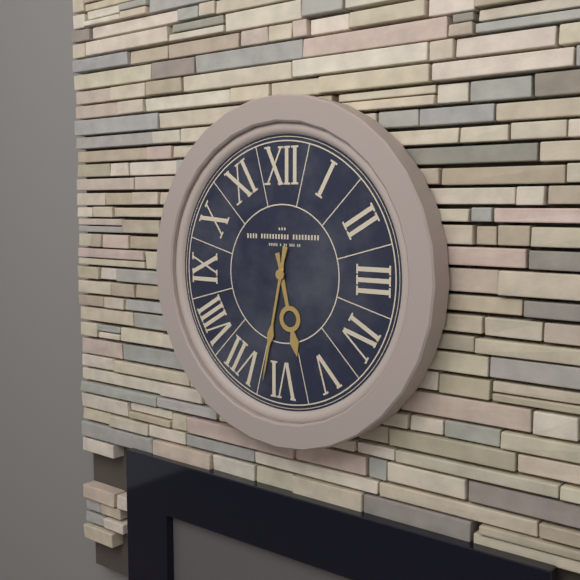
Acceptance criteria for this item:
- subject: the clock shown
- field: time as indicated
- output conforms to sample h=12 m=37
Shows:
h=5 m=32
